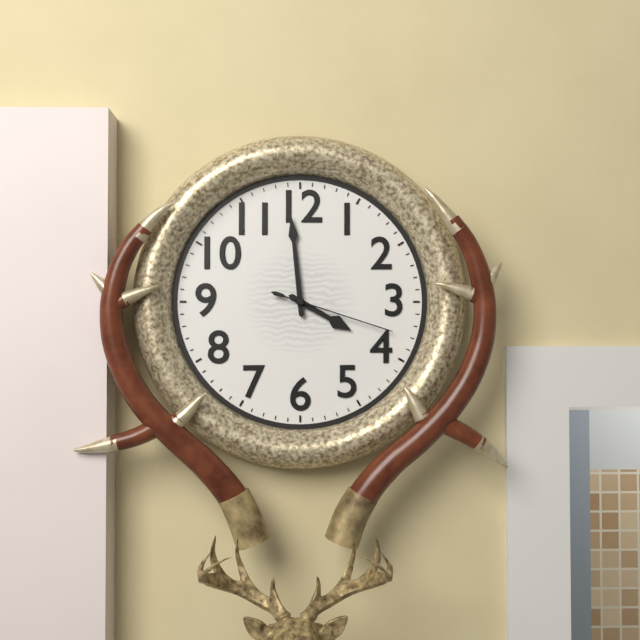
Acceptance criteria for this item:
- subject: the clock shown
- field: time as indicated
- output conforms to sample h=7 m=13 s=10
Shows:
h=3 m=59 s=18
